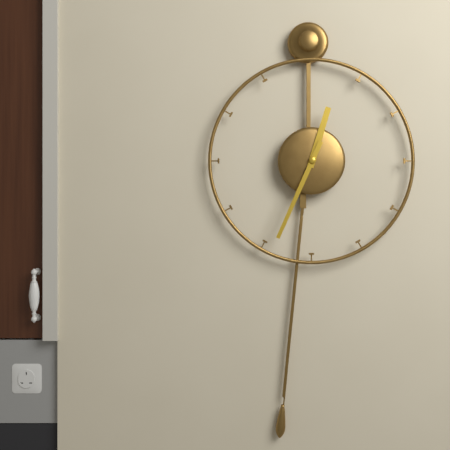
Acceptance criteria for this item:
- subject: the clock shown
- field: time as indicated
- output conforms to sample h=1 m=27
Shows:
h=12 m=34
